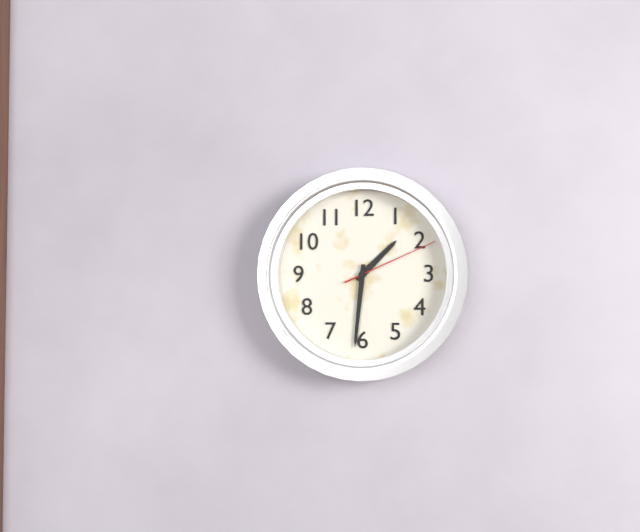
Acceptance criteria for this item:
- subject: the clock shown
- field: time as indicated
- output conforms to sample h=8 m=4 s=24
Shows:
h=1 m=31 s=11
